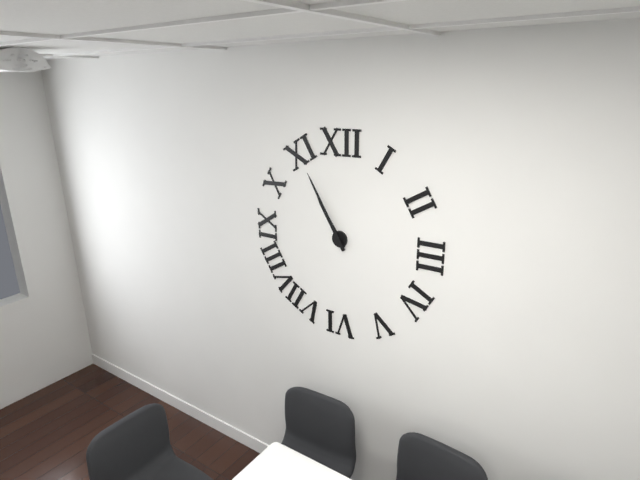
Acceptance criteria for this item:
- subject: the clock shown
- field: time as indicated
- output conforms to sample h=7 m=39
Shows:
h=10 m=55
